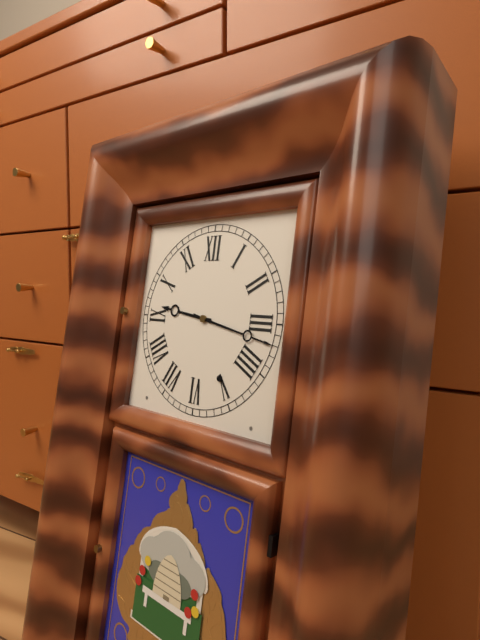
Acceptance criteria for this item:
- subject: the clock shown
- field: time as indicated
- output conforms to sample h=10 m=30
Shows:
h=9 m=17
